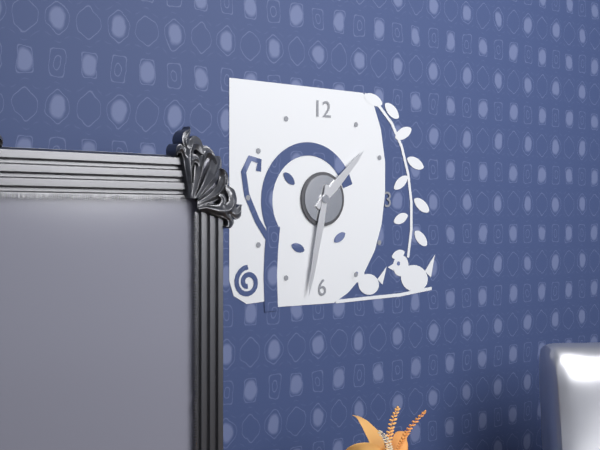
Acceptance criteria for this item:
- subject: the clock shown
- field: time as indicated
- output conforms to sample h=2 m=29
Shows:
h=1 m=32
